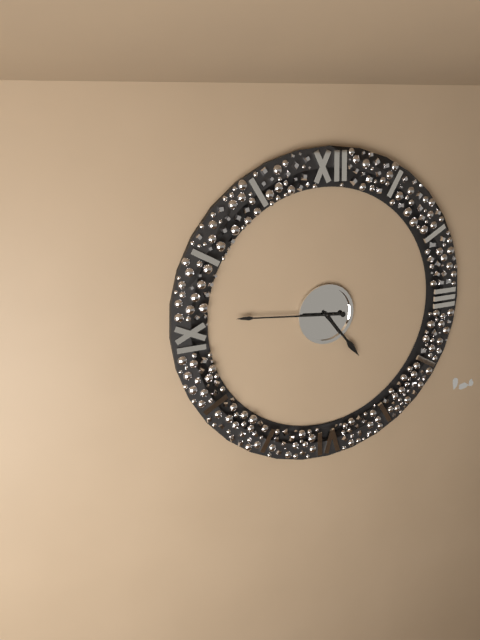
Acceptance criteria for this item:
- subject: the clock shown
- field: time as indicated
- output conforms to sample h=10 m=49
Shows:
h=4 m=46
